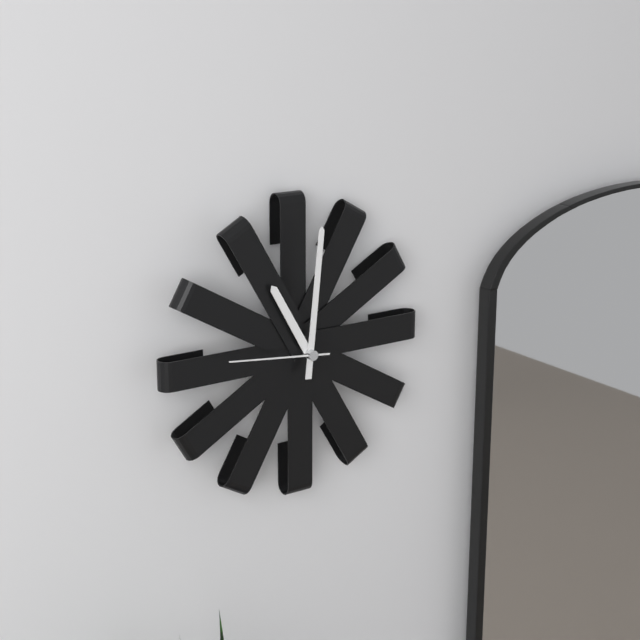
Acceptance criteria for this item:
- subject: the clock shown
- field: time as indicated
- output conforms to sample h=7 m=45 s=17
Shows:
h=11 m=1 s=46
